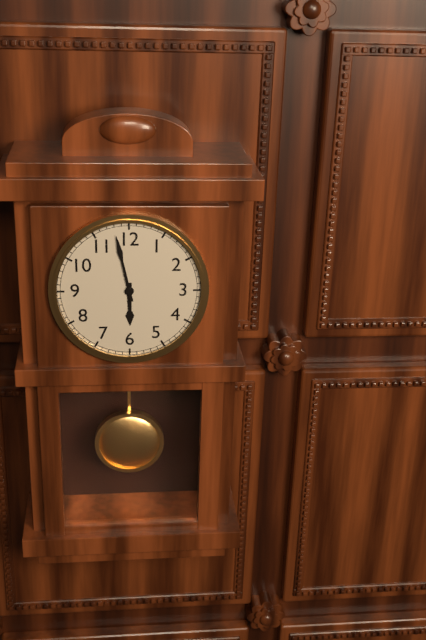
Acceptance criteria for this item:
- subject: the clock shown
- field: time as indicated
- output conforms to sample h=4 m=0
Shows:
h=5 m=58
